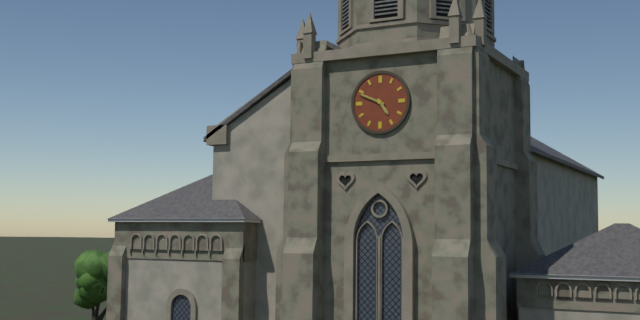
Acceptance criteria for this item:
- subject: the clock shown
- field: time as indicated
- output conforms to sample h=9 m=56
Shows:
h=4 m=49
